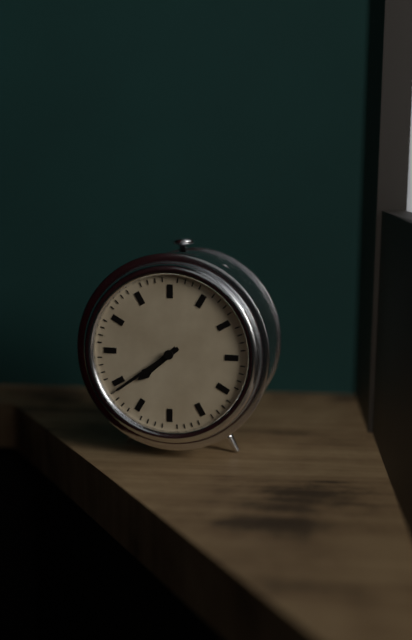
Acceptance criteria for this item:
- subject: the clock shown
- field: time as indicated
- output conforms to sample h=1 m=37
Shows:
h=7 m=39
